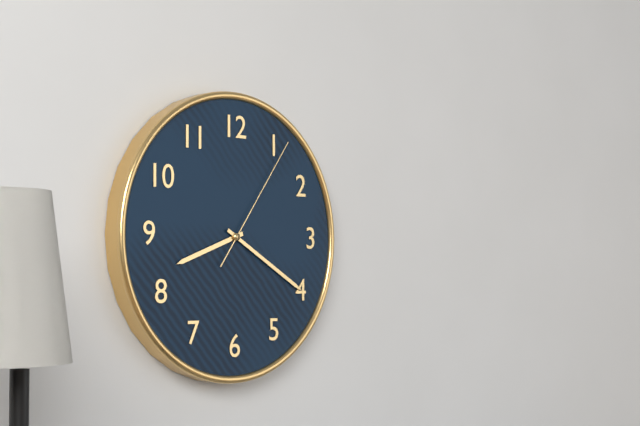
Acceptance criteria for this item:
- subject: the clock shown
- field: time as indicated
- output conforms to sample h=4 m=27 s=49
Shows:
h=8 m=20 s=6
